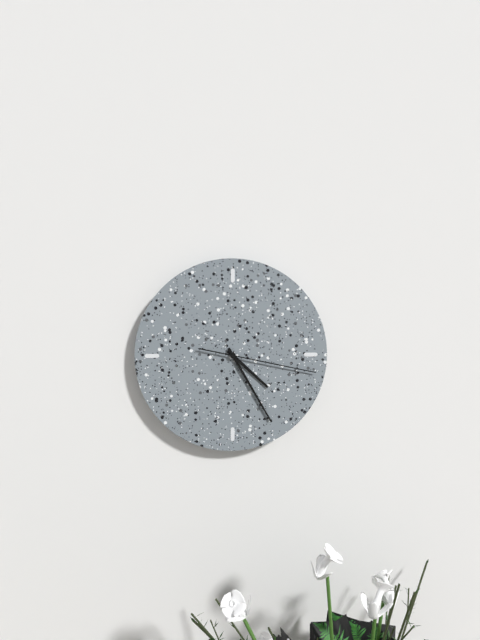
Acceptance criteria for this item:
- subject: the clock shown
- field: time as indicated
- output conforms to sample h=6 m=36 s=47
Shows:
h=4 m=25 s=17
